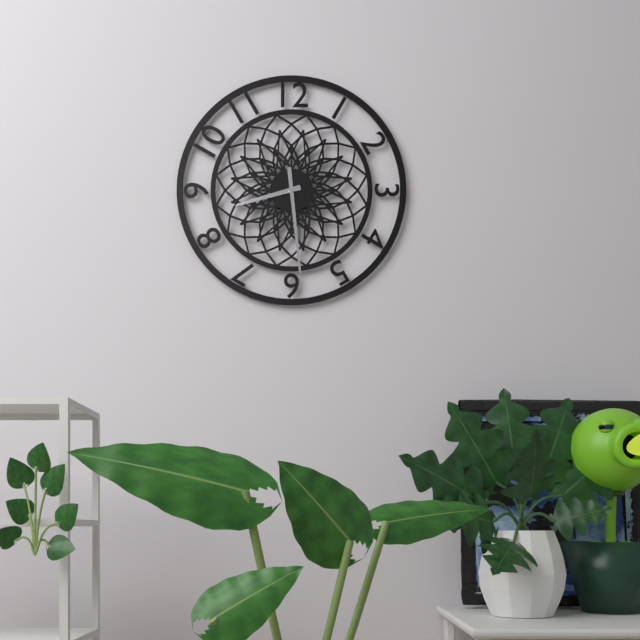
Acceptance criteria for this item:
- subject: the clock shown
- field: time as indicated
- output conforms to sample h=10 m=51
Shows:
h=8 m=29
